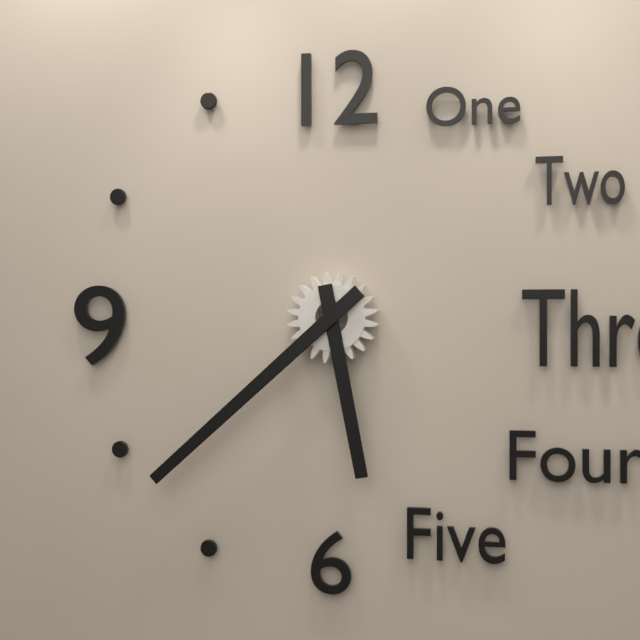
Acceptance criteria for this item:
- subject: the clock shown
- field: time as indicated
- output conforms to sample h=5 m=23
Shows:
h=5 m=38
